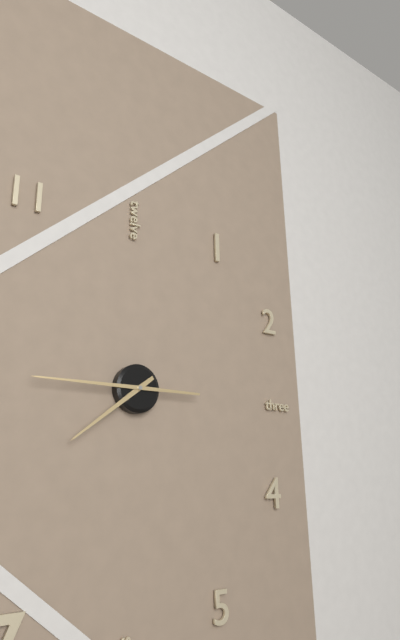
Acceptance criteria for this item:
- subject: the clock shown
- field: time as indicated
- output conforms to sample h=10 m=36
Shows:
h=7 m=45
